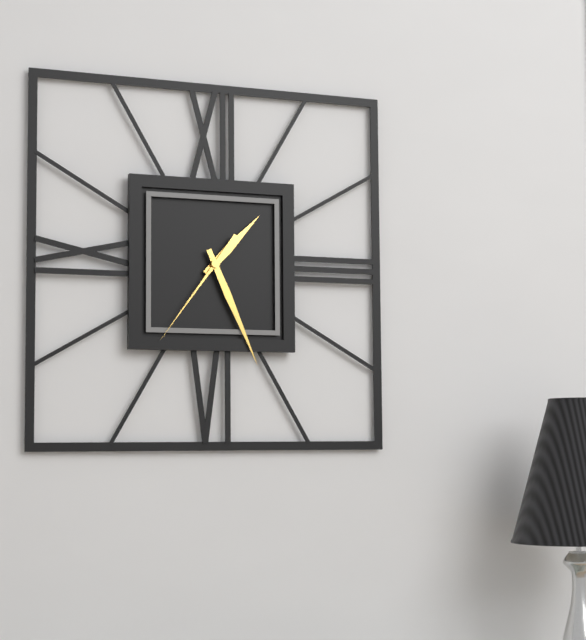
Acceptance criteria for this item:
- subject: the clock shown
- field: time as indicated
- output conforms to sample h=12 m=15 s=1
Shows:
h=1 m=26 s=36
